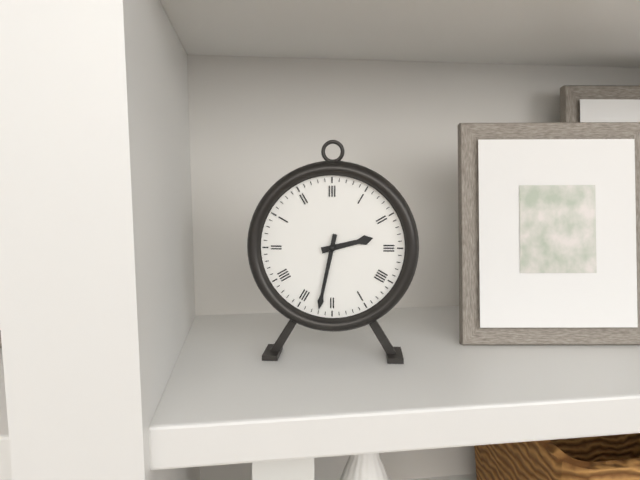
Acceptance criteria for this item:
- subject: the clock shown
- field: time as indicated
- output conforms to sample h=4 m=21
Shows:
h=2 m=32
